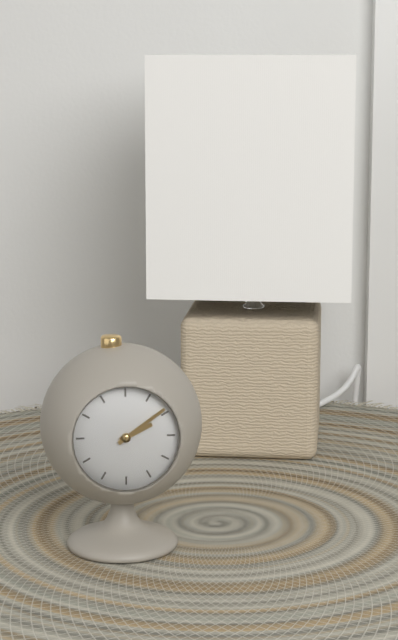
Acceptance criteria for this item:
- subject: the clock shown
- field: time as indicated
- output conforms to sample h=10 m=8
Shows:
h=2 m=9
